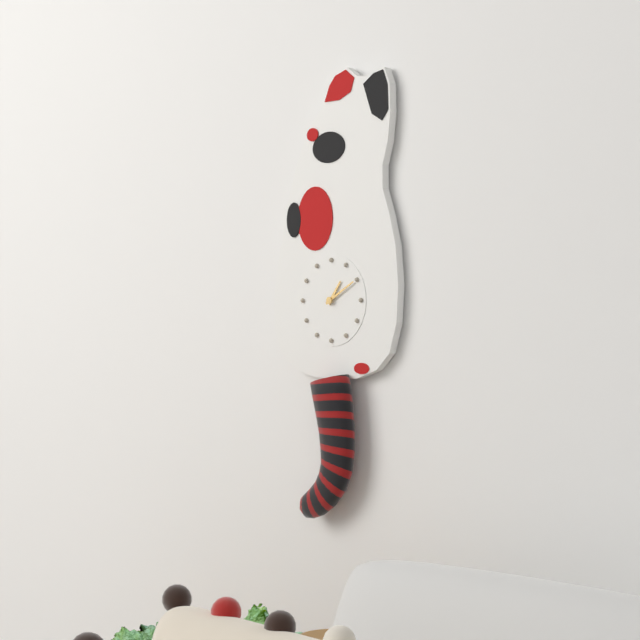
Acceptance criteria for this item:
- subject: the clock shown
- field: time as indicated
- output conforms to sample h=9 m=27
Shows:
h=1 m=10
